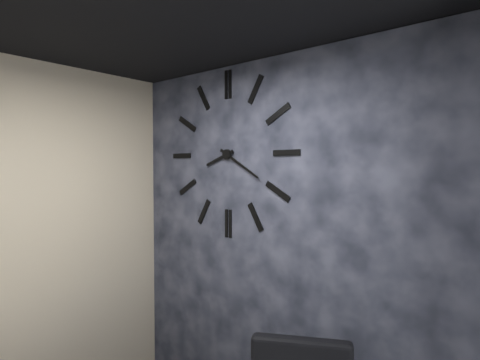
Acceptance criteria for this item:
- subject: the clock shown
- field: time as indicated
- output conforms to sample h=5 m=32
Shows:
h=8 m=20
